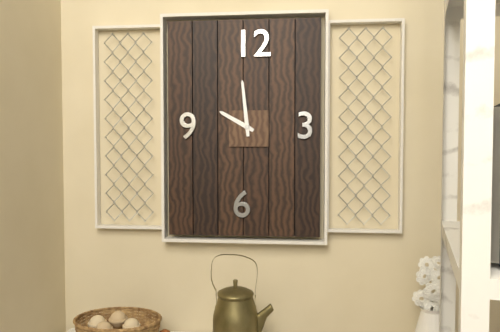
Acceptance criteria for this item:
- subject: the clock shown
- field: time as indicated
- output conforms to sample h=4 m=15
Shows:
h=9 m=59
